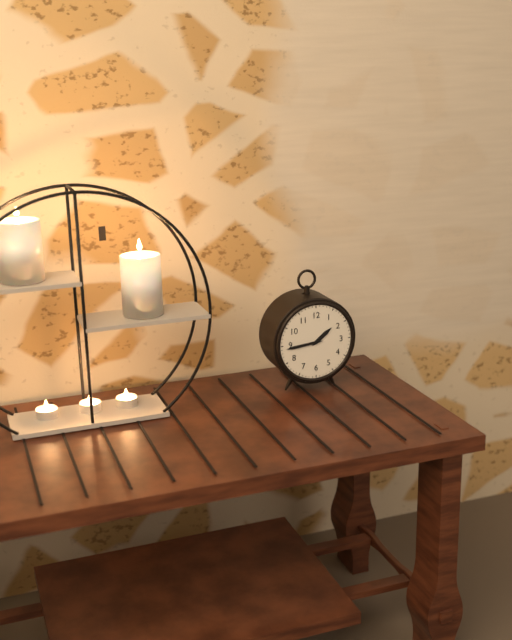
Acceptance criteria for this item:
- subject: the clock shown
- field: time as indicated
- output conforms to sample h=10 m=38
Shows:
h=1 m=44
